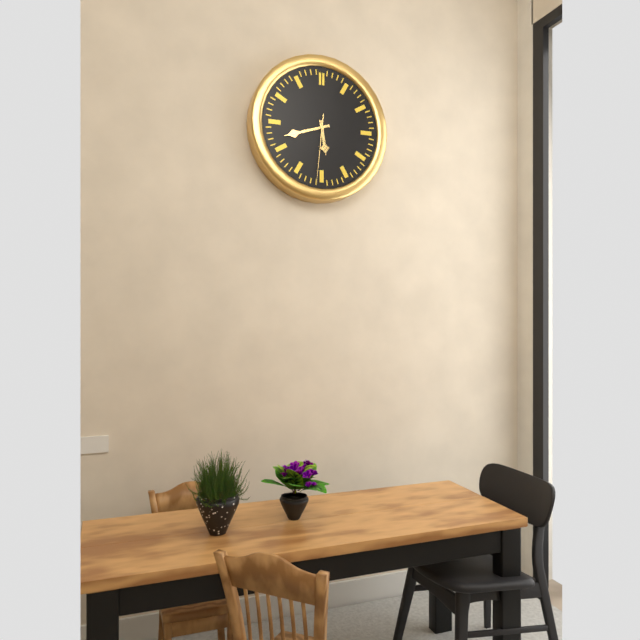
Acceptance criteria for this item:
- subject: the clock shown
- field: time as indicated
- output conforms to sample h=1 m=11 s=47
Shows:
h=5 m=42 s=31
